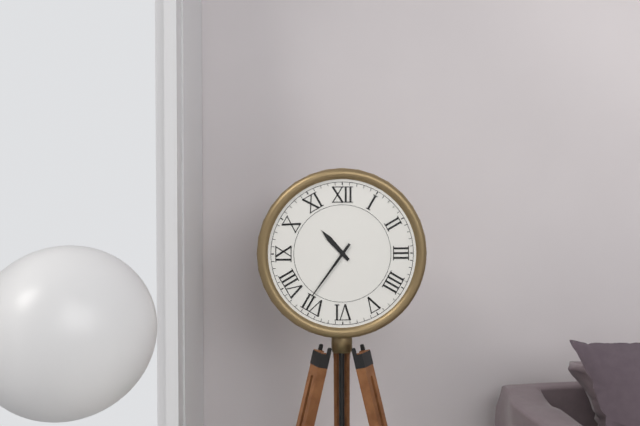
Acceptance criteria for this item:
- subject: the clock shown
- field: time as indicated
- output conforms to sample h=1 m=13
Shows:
h=10 m=36
